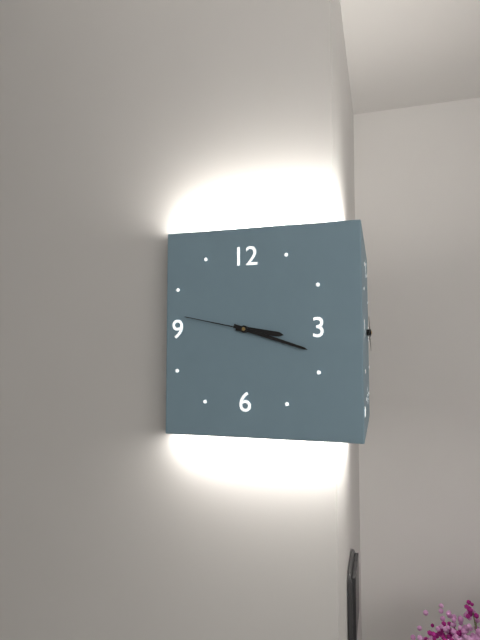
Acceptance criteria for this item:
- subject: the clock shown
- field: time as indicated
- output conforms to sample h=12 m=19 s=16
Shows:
h=3 m=18 s=47
